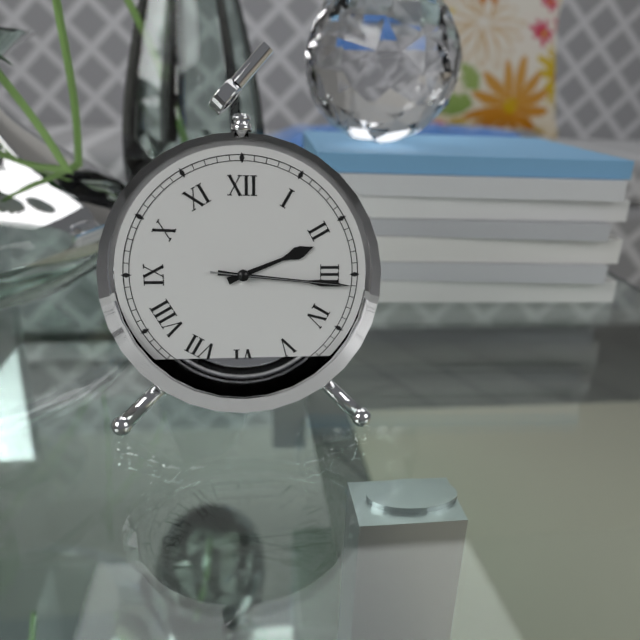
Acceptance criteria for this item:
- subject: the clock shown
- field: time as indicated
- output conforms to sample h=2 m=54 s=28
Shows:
h=2 m=16 s=16
